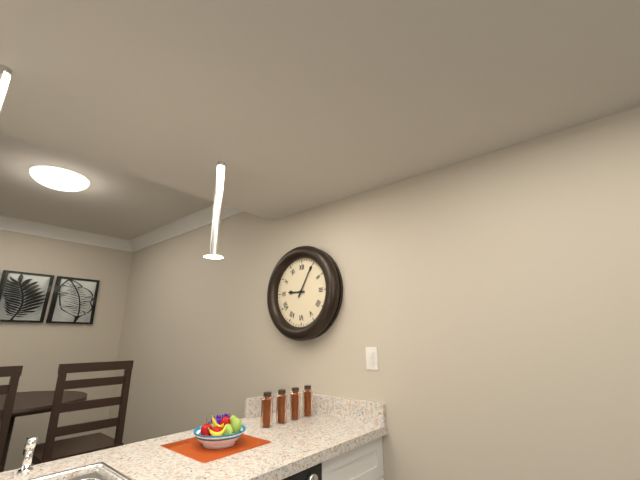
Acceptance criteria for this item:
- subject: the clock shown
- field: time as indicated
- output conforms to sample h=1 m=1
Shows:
h=9 m=5
